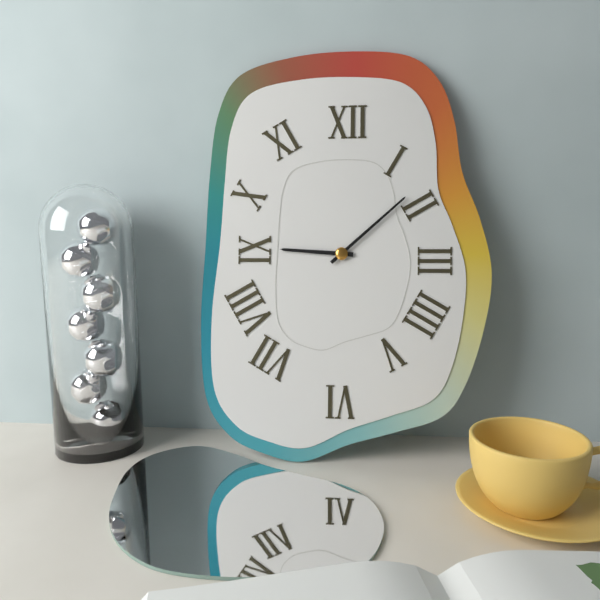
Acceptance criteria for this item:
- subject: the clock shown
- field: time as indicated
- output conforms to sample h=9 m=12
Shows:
h=9 m=8
